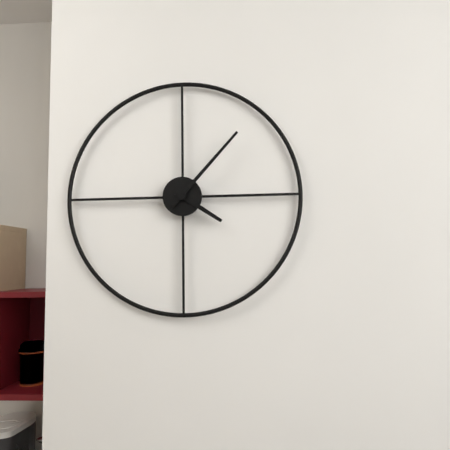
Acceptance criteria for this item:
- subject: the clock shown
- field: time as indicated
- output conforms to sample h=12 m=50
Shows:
h=4 m=7
